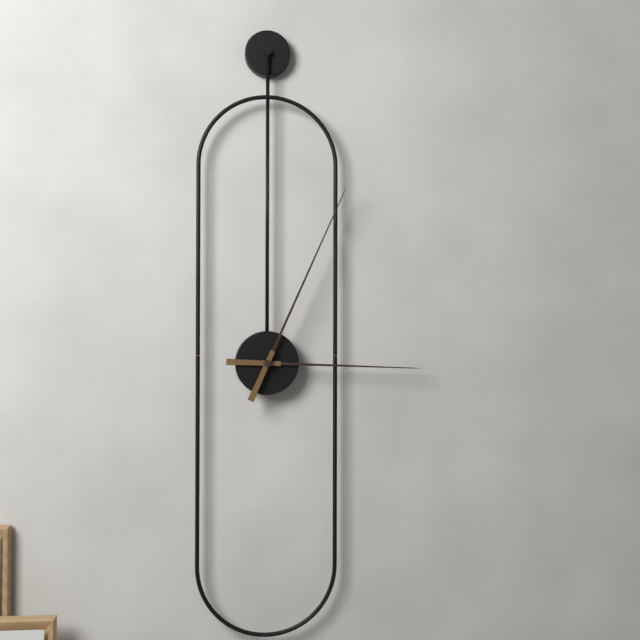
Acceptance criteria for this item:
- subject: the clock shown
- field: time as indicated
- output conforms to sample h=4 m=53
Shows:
h=3 m=4
